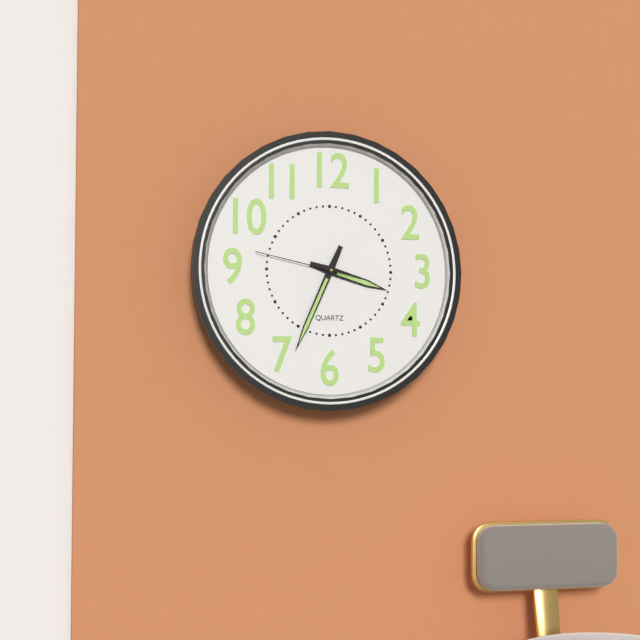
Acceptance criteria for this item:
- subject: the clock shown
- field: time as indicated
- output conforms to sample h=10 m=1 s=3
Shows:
h=3 m=34 s=47
